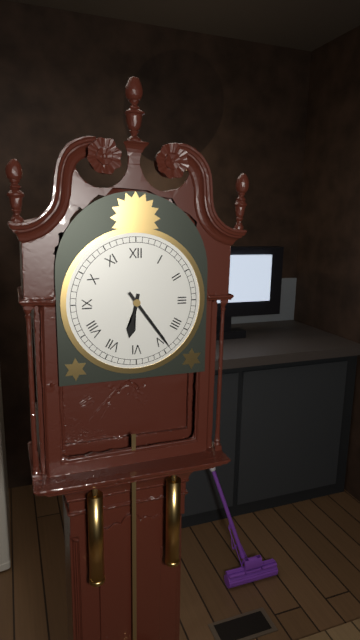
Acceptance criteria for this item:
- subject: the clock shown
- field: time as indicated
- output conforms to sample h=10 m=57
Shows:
h=6 m=24
